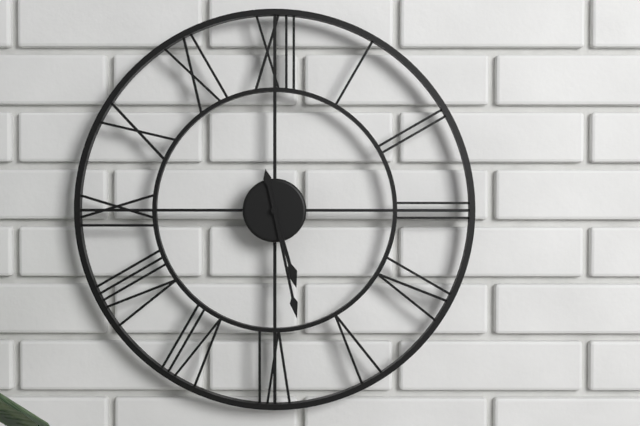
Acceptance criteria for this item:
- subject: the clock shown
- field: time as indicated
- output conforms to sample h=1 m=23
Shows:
h=5 m=28
